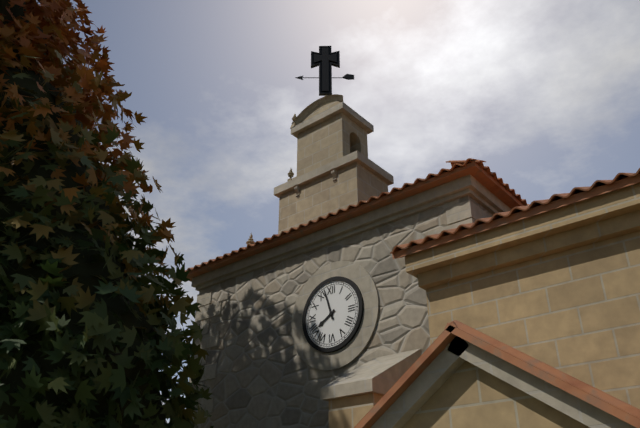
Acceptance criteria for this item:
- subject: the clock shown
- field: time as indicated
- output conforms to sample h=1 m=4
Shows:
h=7 m=57
